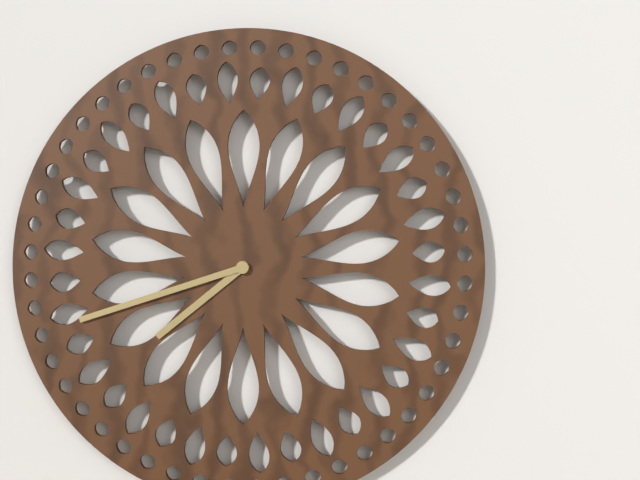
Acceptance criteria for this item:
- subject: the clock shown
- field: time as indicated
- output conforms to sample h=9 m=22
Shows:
h=7 m=42
